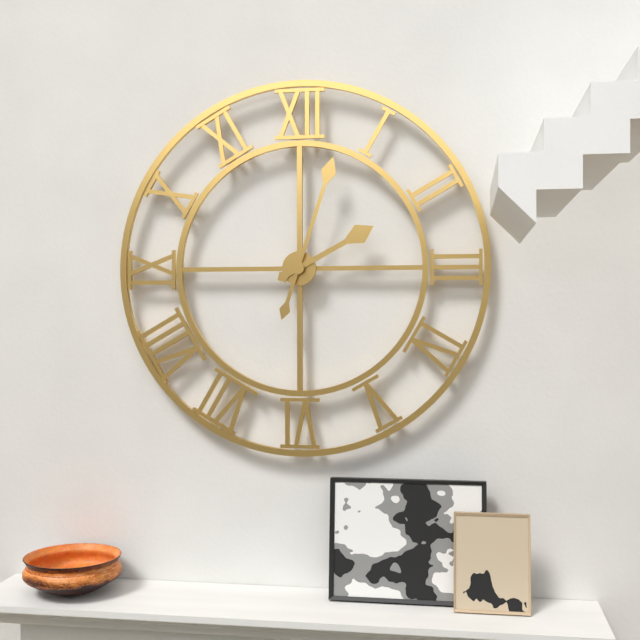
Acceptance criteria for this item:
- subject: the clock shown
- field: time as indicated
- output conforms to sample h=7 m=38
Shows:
h=2 m=3
